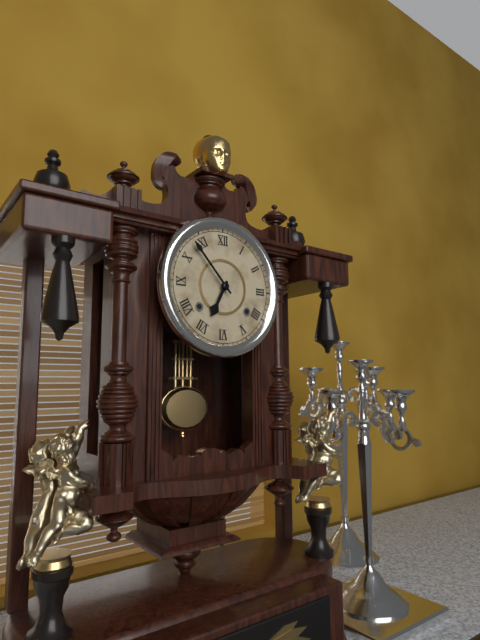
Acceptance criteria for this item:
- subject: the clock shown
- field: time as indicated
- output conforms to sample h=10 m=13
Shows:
h=6 m=53
